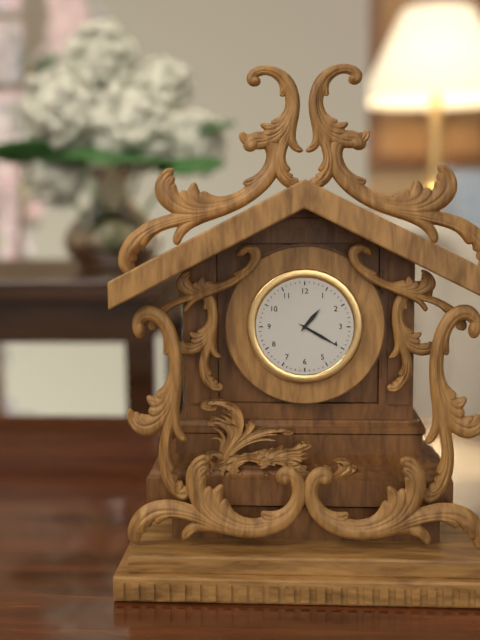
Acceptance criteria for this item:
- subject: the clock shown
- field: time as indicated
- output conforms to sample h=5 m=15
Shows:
h=1 m=20
